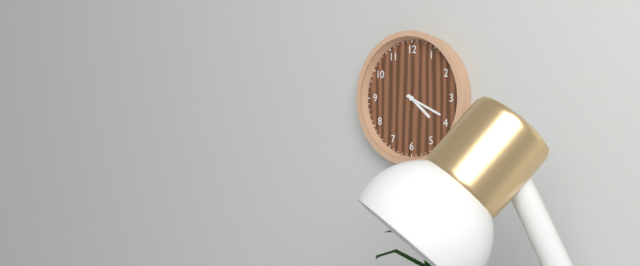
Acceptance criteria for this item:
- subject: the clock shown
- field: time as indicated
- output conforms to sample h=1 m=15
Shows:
h=4 m=19
